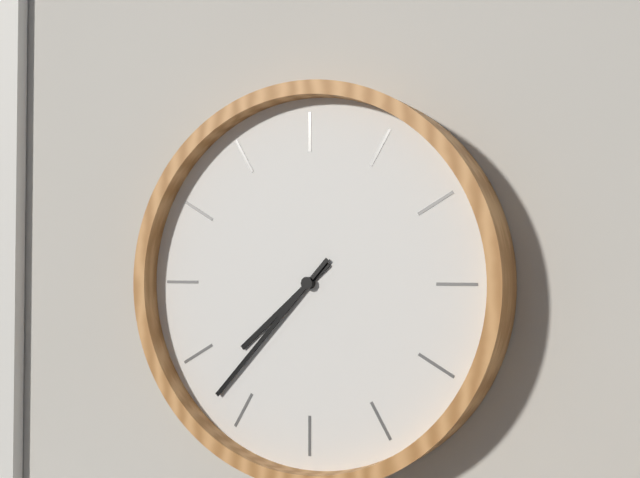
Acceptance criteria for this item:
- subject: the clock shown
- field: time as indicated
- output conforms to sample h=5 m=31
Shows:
h=7 m=37
